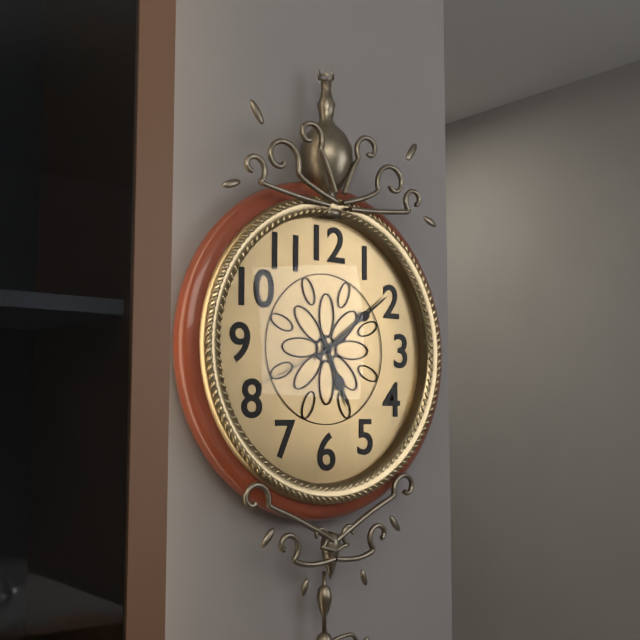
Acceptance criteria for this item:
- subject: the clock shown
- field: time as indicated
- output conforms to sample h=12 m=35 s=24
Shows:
h=5 m=9 s=41
